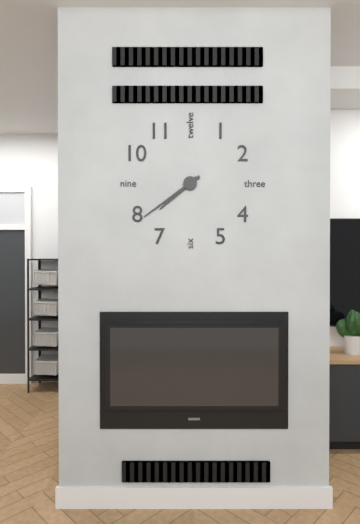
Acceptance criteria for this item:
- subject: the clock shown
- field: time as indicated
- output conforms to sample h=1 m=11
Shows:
h=7 m=39
